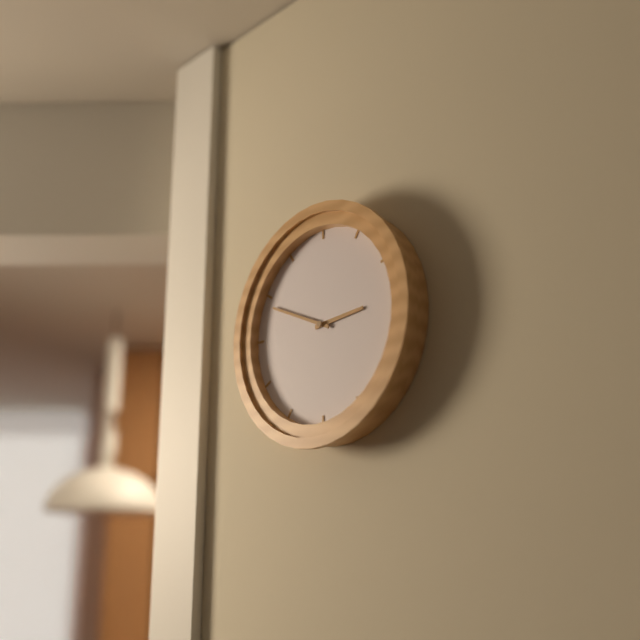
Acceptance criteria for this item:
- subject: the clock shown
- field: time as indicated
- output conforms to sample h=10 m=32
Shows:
h=2 m=49
